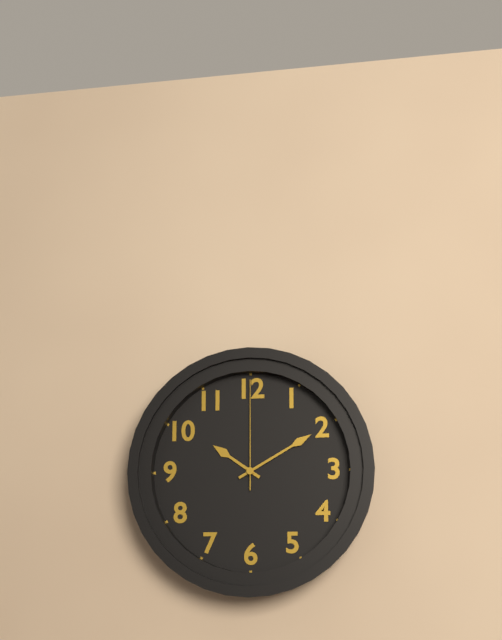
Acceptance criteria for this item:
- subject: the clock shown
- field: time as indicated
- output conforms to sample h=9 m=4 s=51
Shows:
h=10 m=10 s=0
